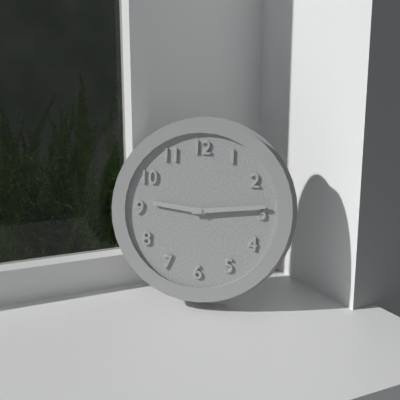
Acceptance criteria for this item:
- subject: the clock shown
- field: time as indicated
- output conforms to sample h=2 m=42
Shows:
h=9 m=14
